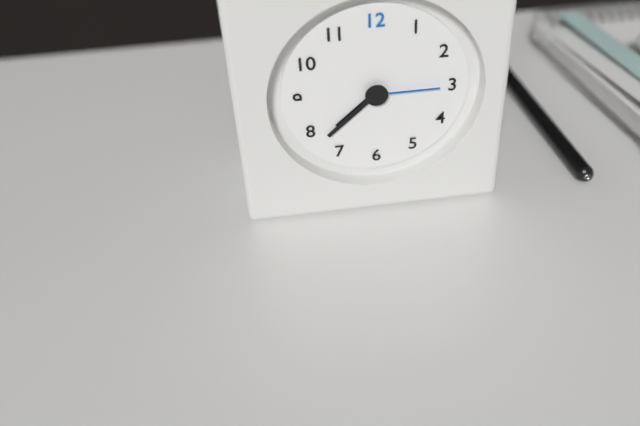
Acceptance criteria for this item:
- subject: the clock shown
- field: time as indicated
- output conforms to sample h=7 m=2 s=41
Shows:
h=7 m=38 s=15
